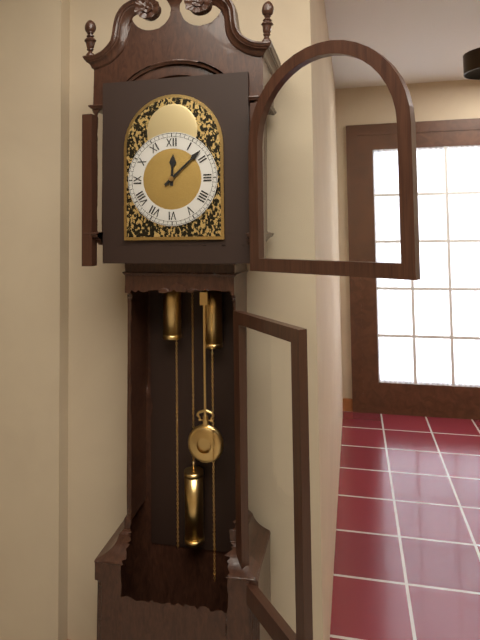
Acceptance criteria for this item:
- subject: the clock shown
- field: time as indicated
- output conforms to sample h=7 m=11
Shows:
h=12 m=8
